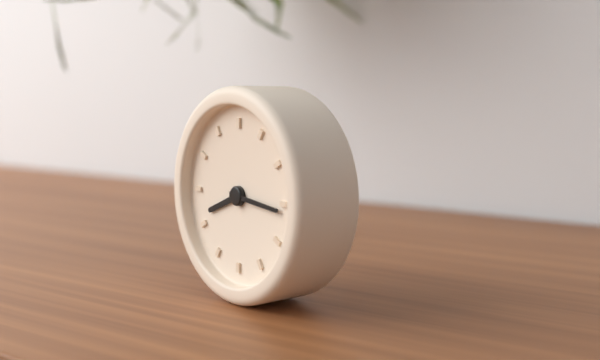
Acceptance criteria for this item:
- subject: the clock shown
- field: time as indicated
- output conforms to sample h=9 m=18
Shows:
h=8 m=16
